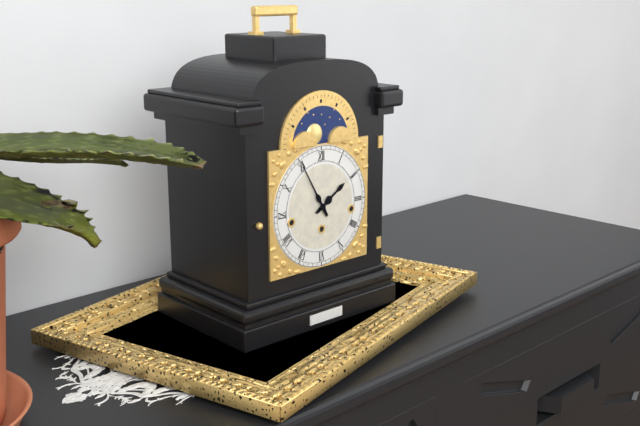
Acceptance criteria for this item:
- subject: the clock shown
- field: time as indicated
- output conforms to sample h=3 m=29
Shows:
h=1 m=55
